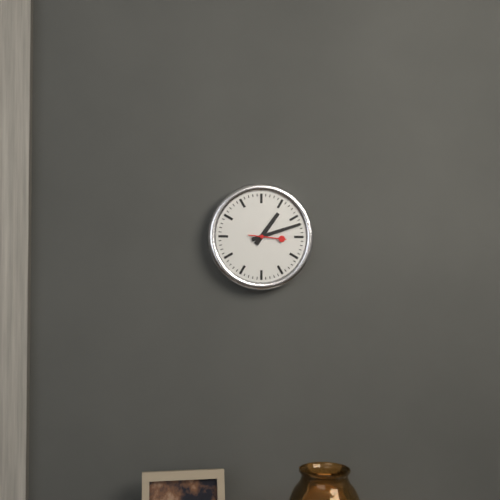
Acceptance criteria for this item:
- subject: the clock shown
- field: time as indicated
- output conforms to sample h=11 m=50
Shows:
h=1 m=12
